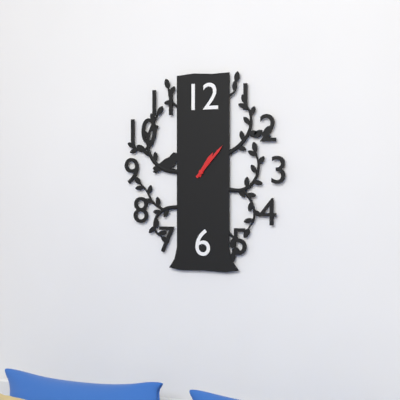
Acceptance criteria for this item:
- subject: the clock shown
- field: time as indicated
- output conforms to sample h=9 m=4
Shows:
h=1 m=7
